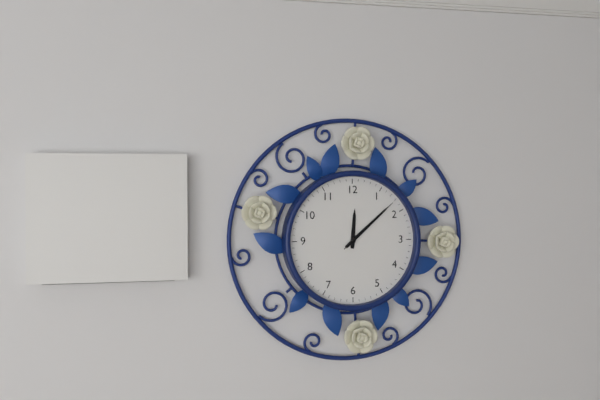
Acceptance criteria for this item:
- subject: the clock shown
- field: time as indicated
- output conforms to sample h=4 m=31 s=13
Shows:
h=12 m=8 s=8
